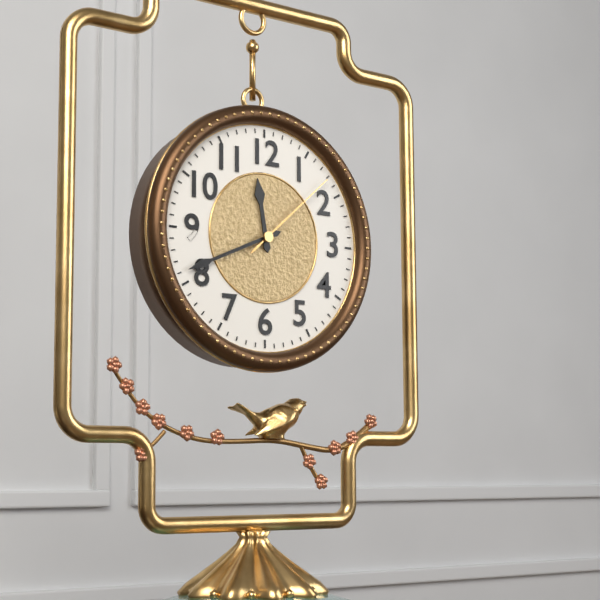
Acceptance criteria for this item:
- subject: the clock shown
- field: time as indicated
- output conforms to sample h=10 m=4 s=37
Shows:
h=11 m=41 s=8
